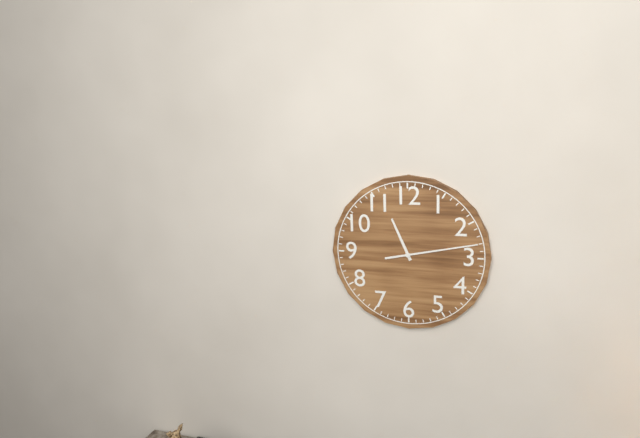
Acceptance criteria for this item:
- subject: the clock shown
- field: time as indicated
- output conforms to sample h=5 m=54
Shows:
h=11 m=13
